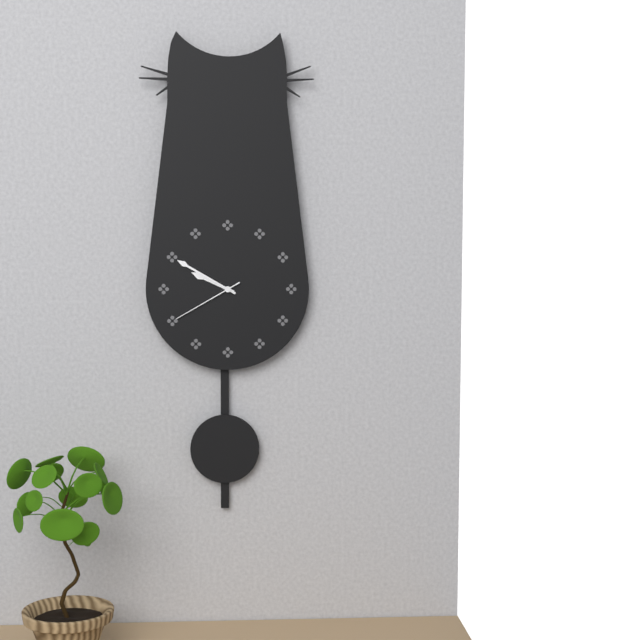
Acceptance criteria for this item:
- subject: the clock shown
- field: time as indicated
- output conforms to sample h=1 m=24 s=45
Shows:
h=9 m=50 s=40
